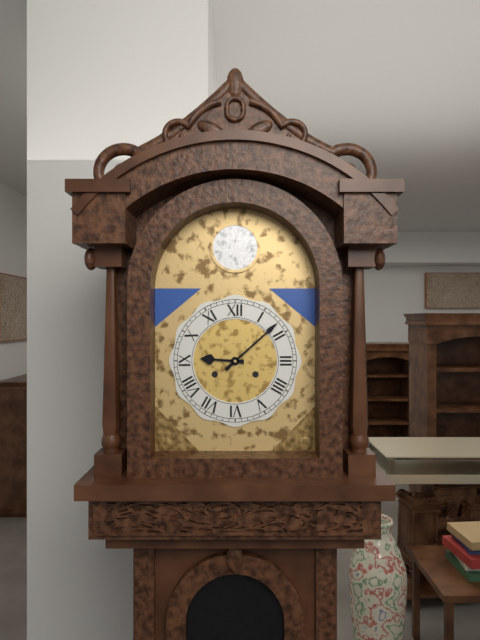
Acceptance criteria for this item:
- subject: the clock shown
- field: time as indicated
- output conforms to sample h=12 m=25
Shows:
h=9 m=8
